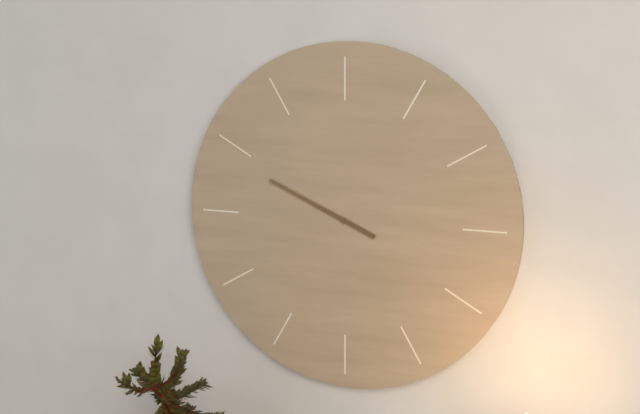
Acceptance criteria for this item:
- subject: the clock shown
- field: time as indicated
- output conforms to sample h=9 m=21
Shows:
h=9 m=49
